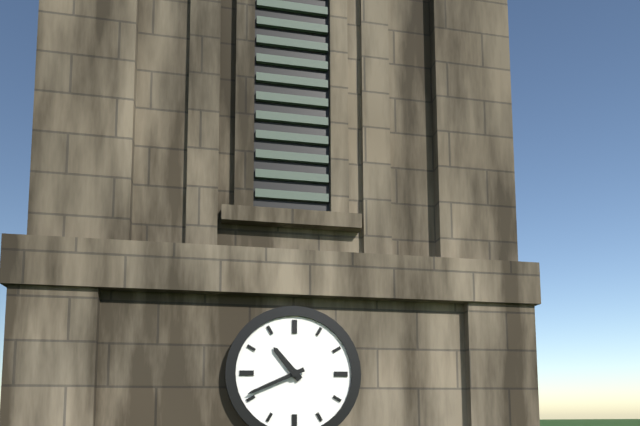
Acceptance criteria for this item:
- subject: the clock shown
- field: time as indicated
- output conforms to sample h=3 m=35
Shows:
h=10 m=41
